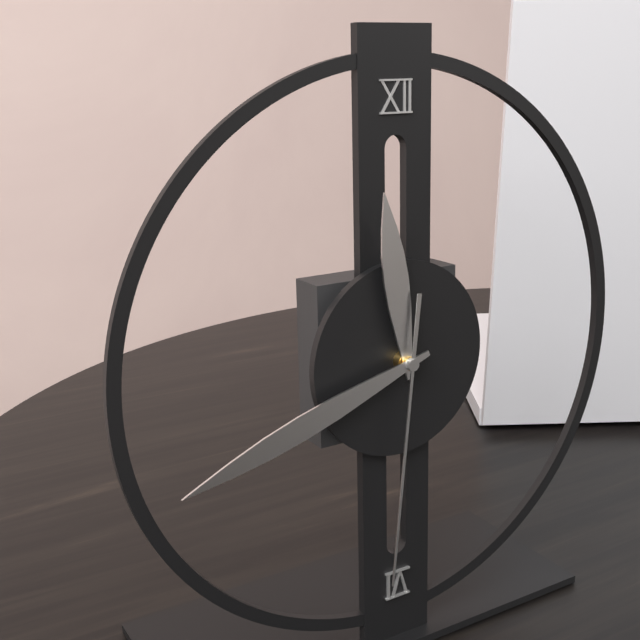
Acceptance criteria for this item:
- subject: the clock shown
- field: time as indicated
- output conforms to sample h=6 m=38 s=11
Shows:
h=11 m=42 s=31
